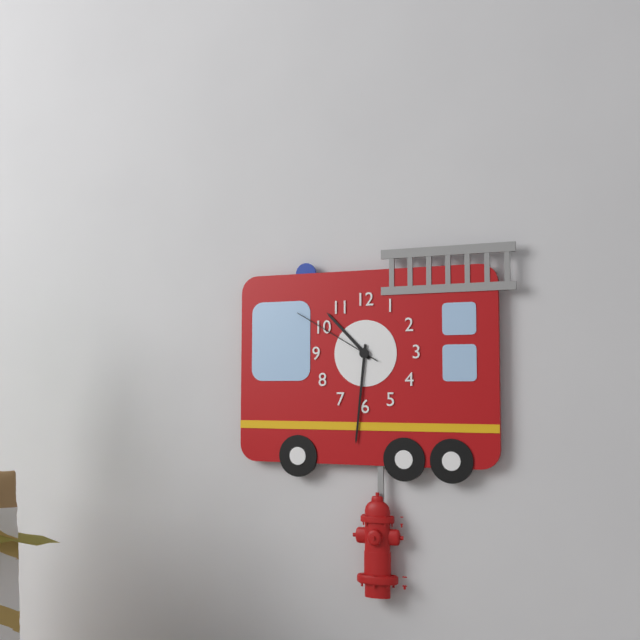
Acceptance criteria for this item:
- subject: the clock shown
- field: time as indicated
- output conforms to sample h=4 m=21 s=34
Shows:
h=10 m=31 s=50
